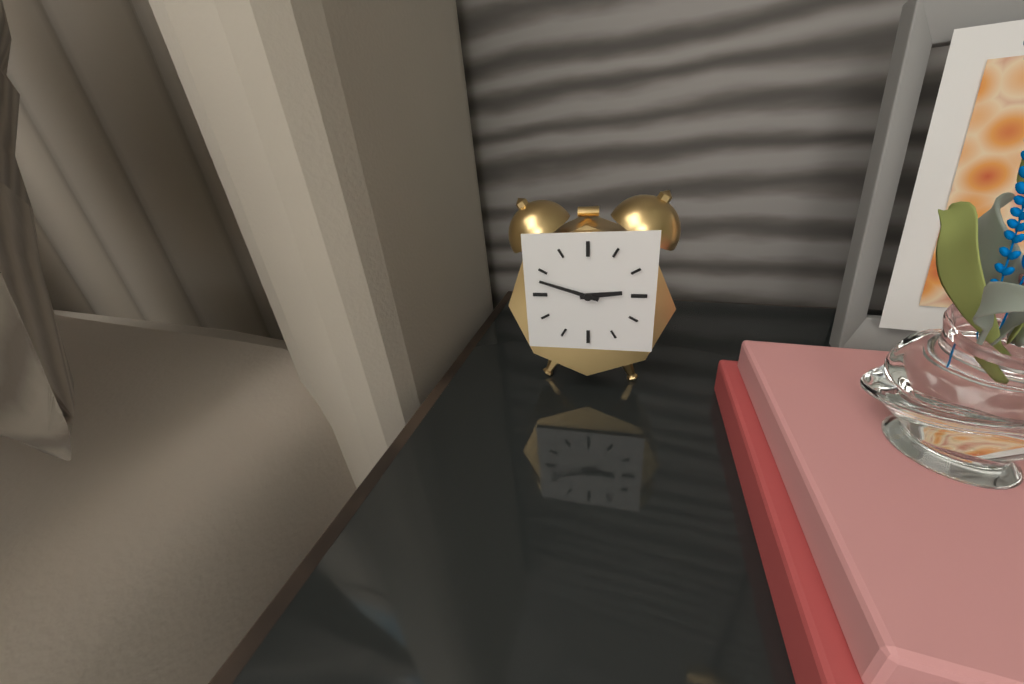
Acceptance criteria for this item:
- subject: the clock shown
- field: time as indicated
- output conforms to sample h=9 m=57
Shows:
h=2 m=48
